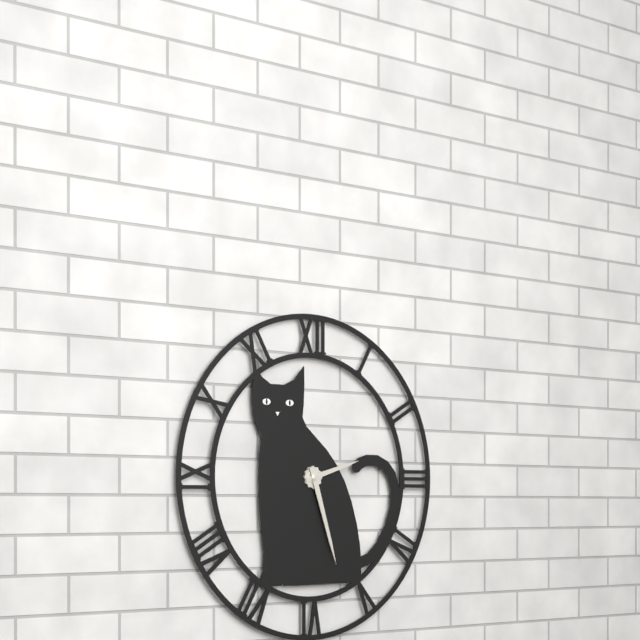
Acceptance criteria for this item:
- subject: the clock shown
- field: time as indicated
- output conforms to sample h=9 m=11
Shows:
h=2 m=27
